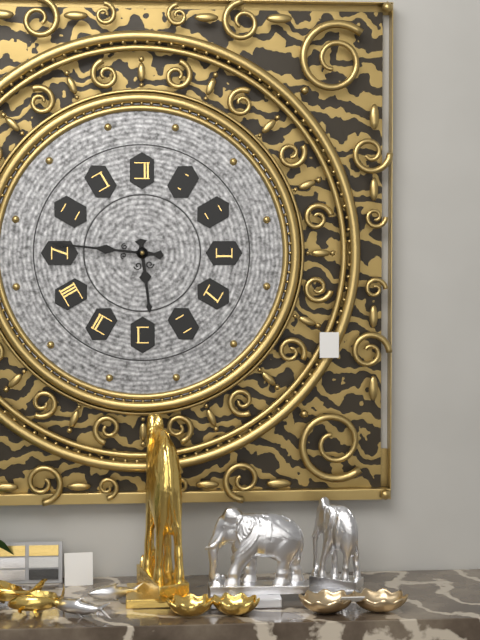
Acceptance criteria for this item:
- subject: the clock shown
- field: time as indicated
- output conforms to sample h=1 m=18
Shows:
h=5 m=46
